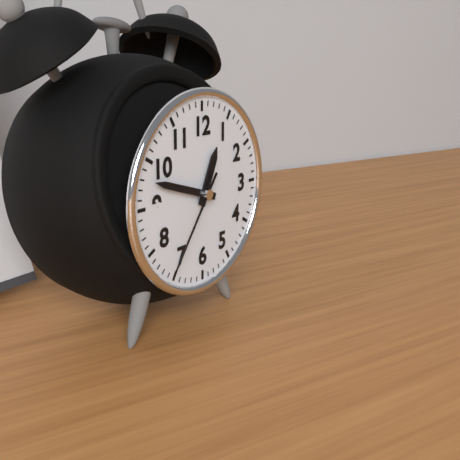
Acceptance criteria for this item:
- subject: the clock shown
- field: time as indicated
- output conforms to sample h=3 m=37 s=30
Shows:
h=12 m=48 s=36
